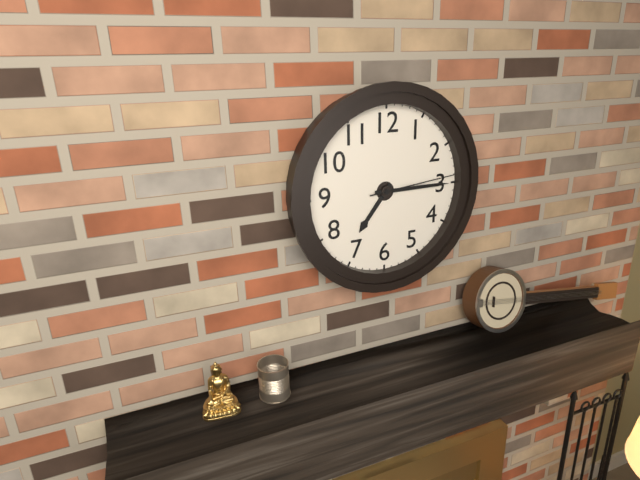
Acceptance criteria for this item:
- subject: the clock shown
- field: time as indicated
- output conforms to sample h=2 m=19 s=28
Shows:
h=7 m=15 s=14
